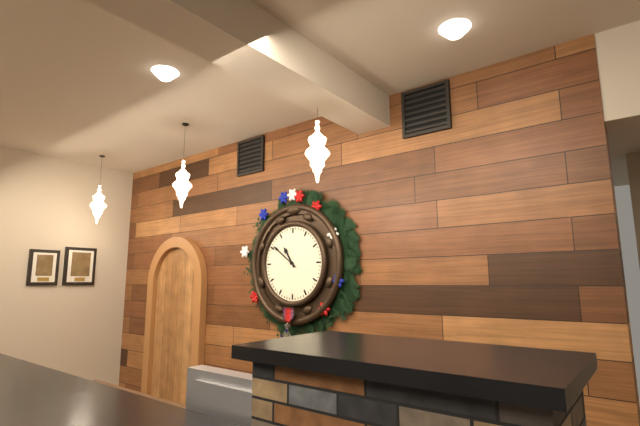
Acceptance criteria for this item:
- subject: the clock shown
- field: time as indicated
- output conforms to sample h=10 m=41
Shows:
h=10 m=51
